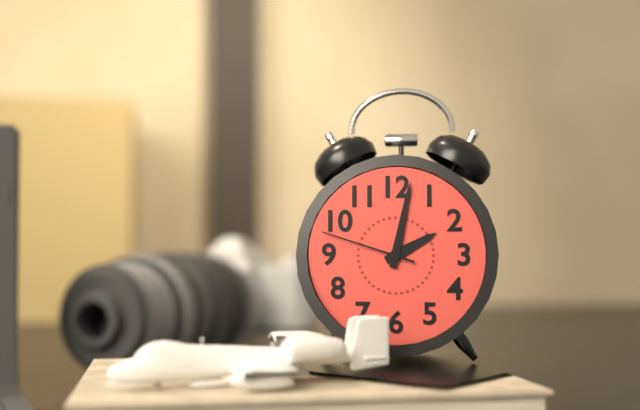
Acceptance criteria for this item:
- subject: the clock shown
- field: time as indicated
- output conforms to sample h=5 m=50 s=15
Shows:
h=2 m=2 s=48
